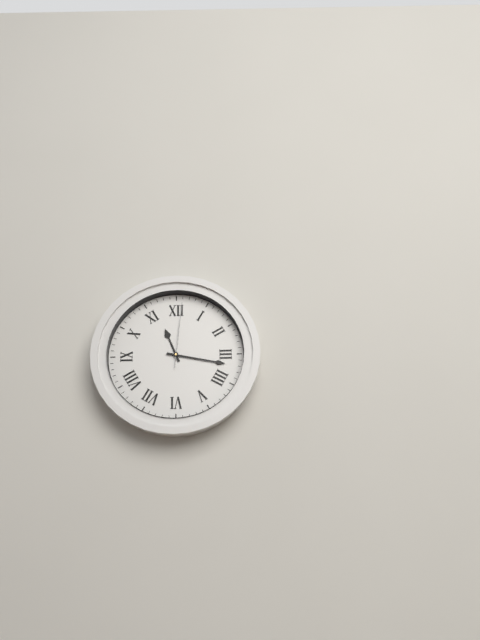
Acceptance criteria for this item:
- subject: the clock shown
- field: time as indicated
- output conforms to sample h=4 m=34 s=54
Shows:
h=11 m=17 s=1
